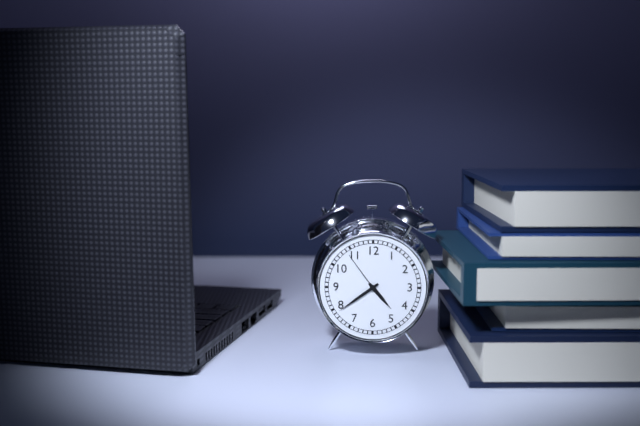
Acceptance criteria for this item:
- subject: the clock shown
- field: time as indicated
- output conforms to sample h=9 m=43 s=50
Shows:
h=4 m=39 s=54
